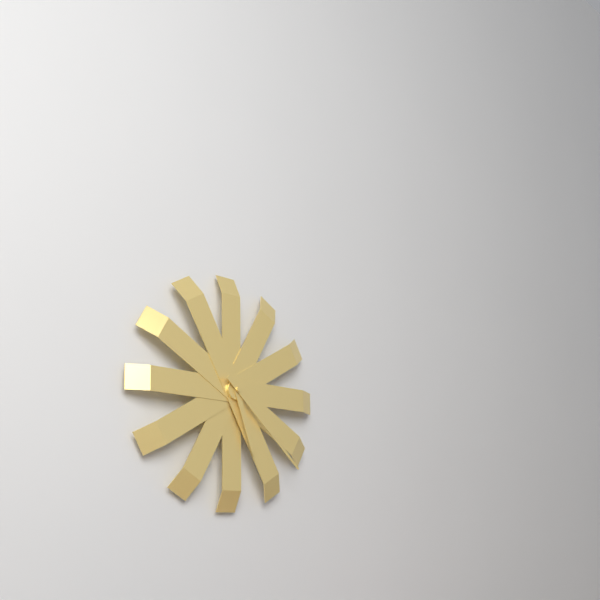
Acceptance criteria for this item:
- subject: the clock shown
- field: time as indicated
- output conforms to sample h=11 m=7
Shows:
h=5 m=22
